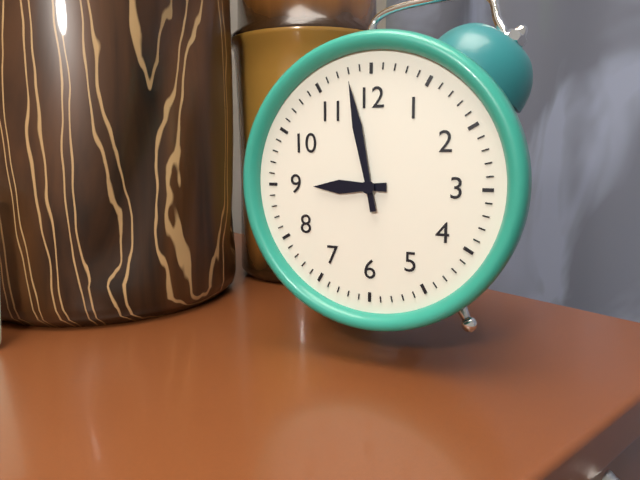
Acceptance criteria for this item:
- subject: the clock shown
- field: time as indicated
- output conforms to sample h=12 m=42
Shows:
h=8 m=58
